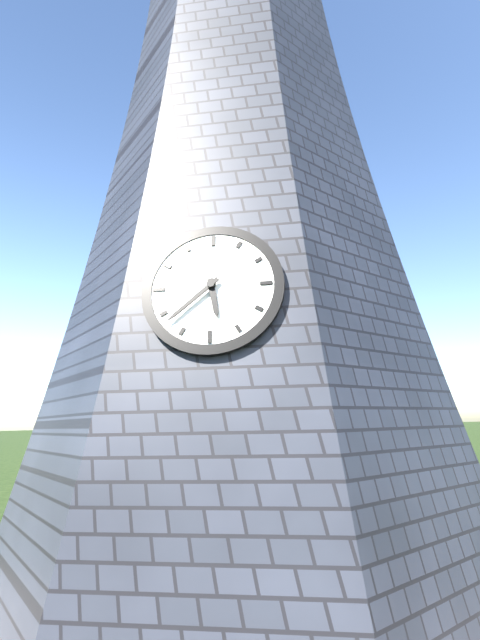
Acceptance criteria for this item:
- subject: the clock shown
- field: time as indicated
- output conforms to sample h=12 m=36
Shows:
h=5 m=38
